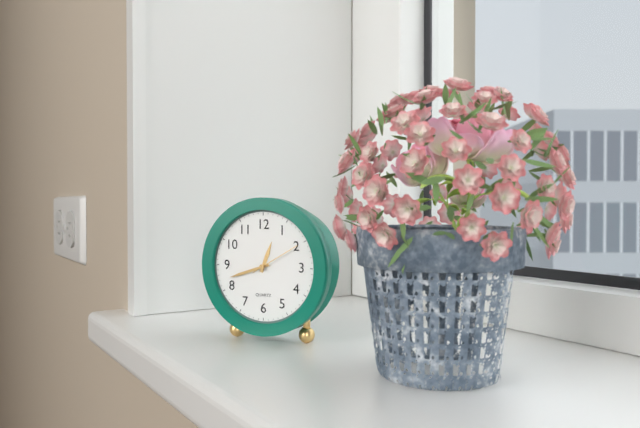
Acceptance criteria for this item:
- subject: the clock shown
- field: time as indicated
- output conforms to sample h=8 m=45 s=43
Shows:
h=12 m=42 s=10
